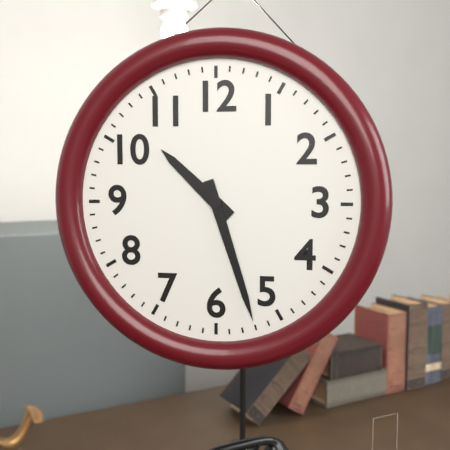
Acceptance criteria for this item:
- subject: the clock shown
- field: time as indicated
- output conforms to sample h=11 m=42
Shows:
h=10 m=27
